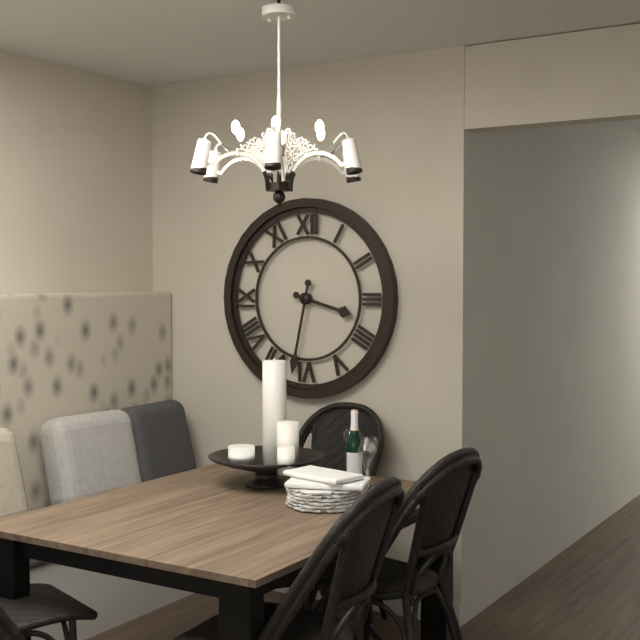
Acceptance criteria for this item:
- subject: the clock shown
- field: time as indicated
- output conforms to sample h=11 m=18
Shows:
h=3 m=32
